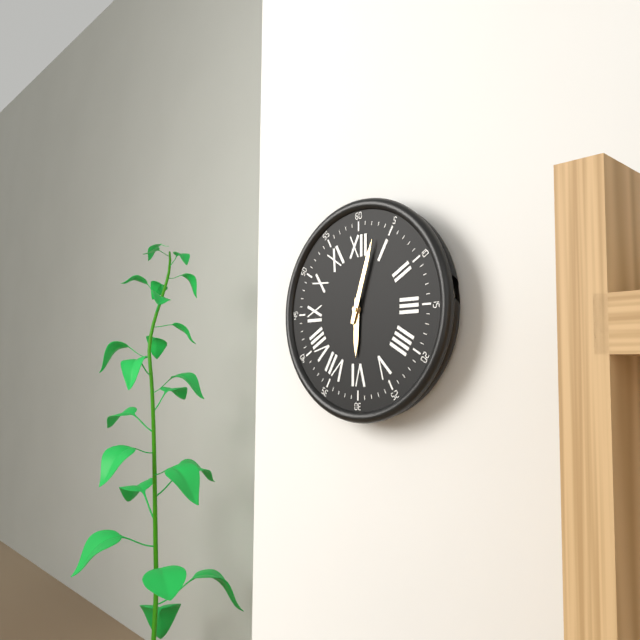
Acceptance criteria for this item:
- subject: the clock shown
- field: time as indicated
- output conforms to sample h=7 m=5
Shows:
h=6 m=3
